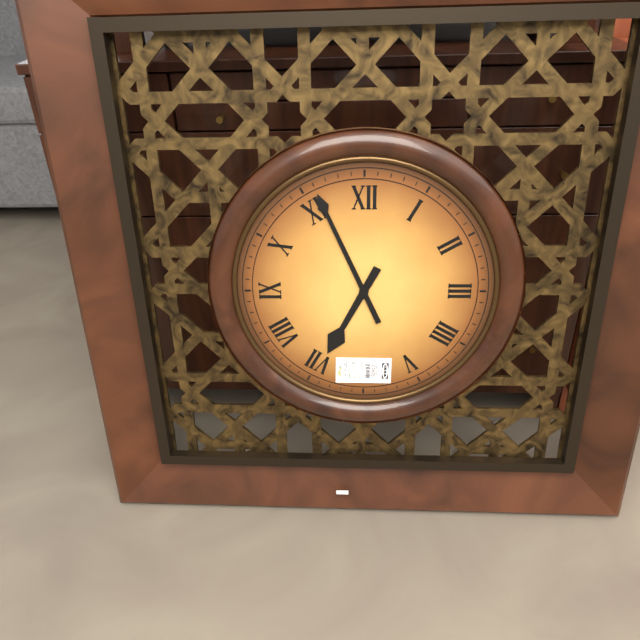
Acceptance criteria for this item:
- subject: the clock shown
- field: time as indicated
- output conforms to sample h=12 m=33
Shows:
h=6 m=56
